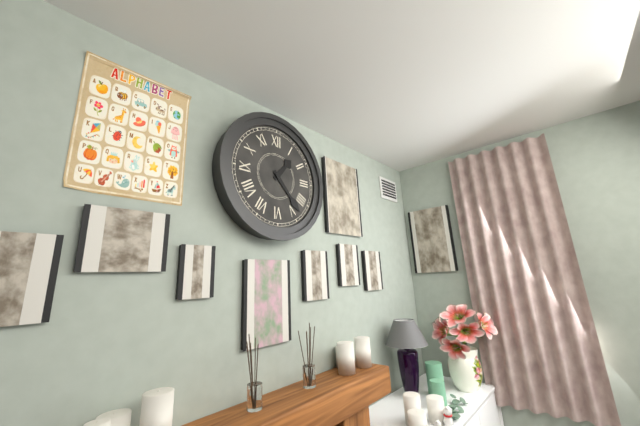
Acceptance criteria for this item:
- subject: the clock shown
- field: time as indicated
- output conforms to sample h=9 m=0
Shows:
h=1 m=23
